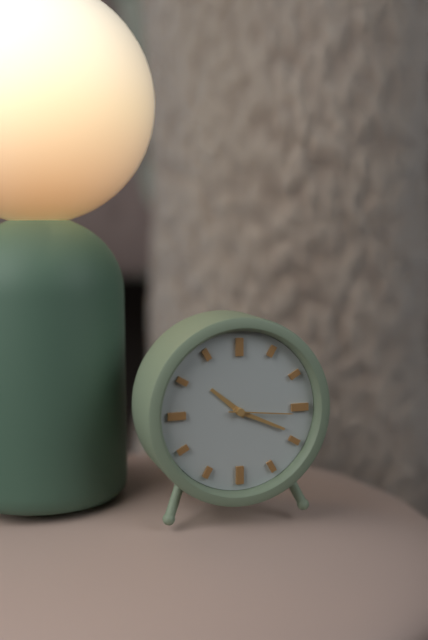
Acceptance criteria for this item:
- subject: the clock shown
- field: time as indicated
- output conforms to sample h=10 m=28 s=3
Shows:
h=10 m=19 s=16
